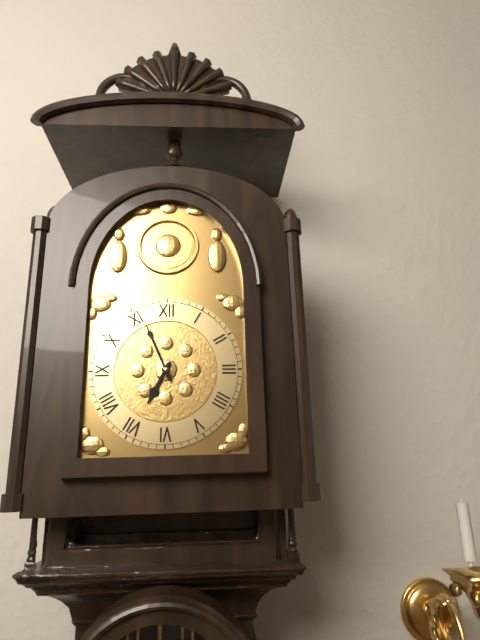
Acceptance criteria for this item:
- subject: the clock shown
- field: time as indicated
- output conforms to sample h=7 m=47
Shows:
h=6 m=56
